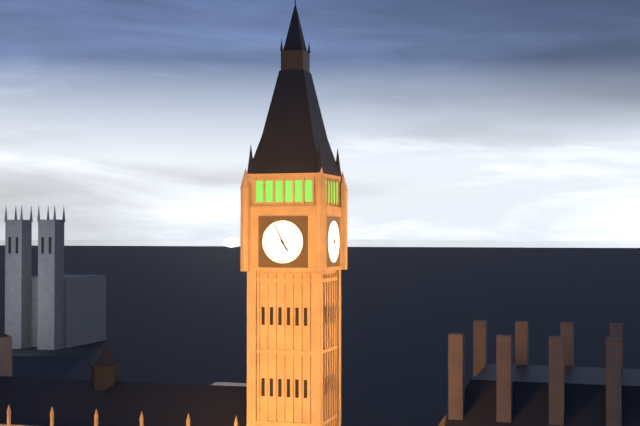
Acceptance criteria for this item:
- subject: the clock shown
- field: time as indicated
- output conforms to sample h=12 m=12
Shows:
h=4 m=56
